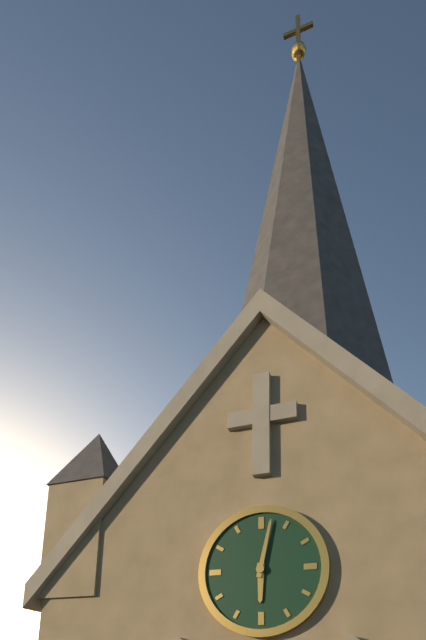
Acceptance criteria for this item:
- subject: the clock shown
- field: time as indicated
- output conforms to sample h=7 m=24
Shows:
h=6 m=2
